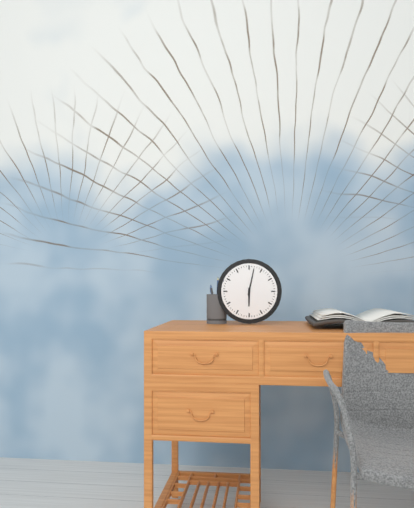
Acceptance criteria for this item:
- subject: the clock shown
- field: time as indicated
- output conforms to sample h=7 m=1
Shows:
h=6 m=2
